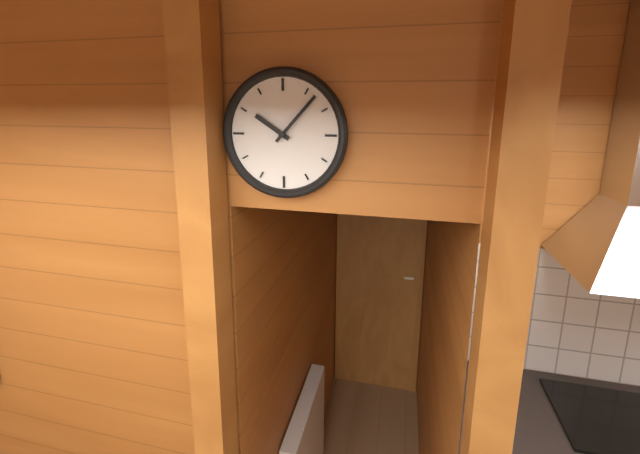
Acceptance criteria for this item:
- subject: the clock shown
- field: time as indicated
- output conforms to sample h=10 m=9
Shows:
h=10 m=7
